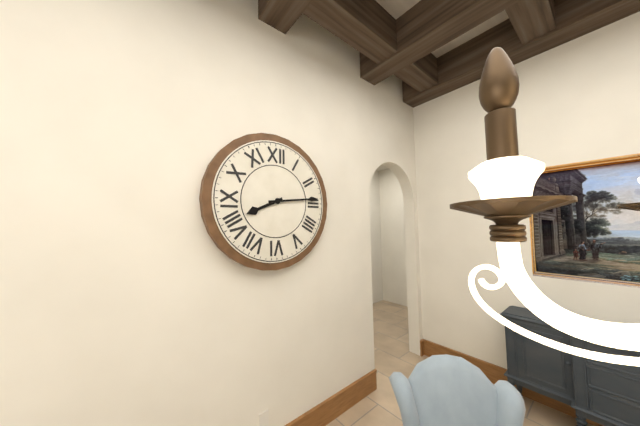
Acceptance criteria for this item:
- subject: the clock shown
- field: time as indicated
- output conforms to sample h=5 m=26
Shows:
h=8 m=14
